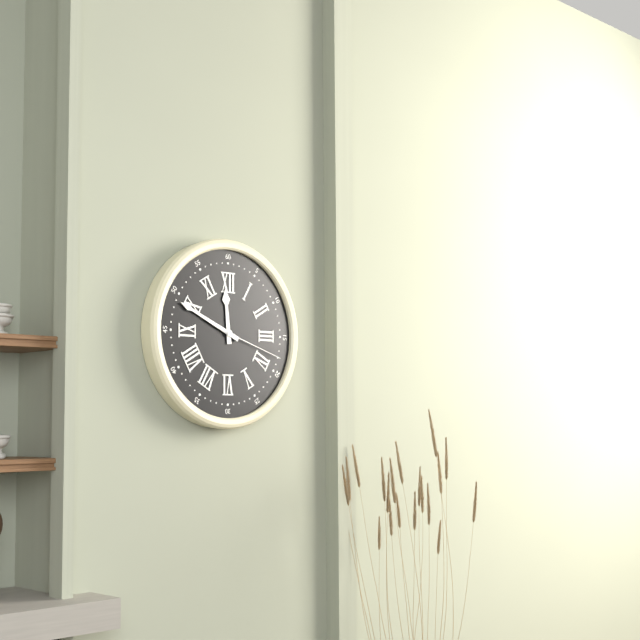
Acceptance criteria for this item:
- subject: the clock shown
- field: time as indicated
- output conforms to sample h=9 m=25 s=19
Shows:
h=11 m=49 s=18
